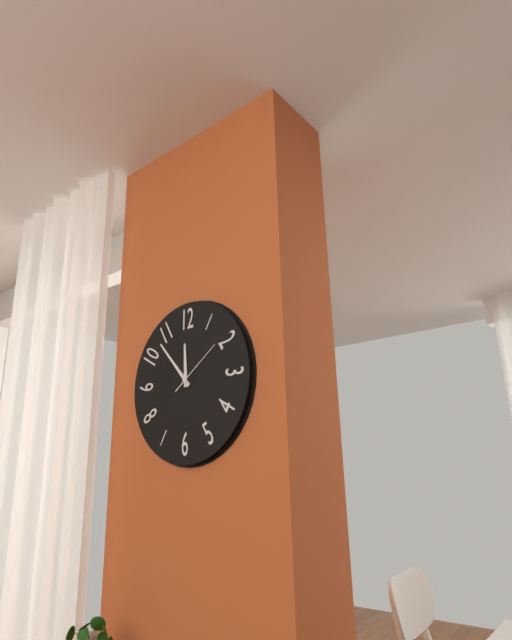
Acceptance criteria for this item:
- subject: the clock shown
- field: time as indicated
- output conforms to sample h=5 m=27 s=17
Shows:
h=11 m=53 s=9
